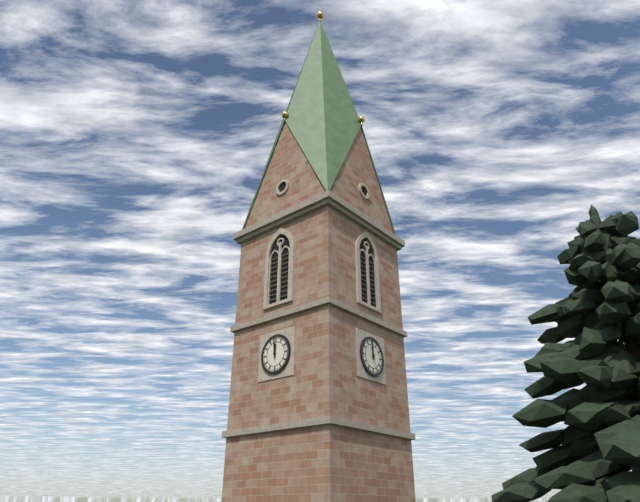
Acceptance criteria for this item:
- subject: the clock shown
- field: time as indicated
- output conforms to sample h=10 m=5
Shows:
h=11 m=59
